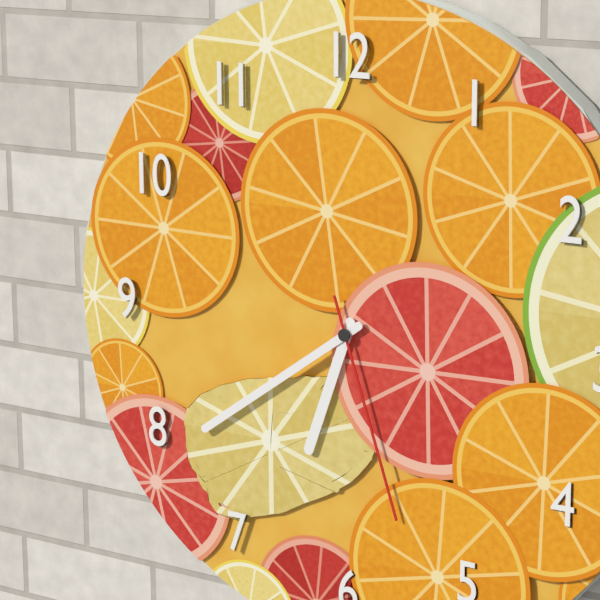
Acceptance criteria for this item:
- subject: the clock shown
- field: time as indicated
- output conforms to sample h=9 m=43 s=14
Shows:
h=6 m=39 s=27
